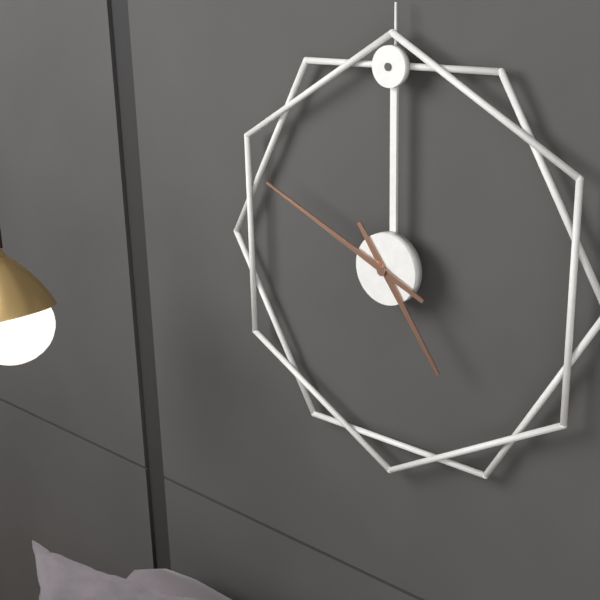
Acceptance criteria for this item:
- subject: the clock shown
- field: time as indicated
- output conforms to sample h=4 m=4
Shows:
h=4 m=49
